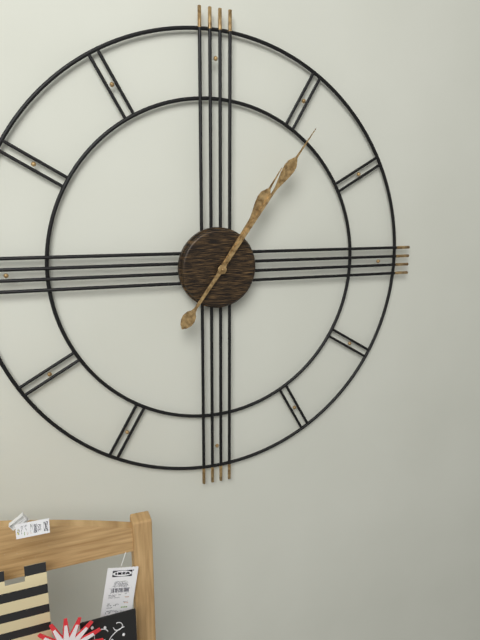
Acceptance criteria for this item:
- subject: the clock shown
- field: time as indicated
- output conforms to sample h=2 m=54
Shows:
h=1 m=6
